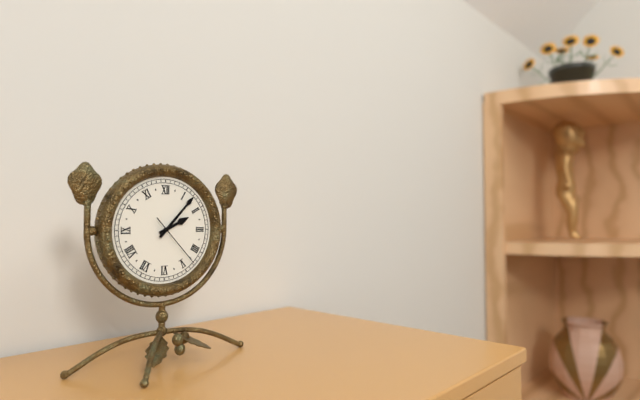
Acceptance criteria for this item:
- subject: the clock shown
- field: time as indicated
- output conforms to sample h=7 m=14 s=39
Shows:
h=2 m=7 s=23
